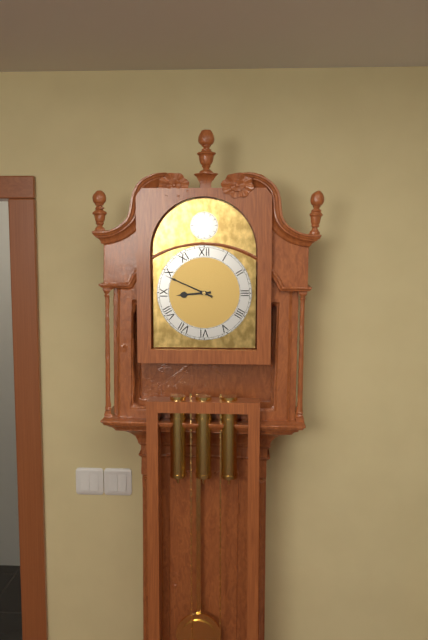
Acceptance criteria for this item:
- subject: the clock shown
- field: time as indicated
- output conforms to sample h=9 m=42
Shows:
h=8 m=49
